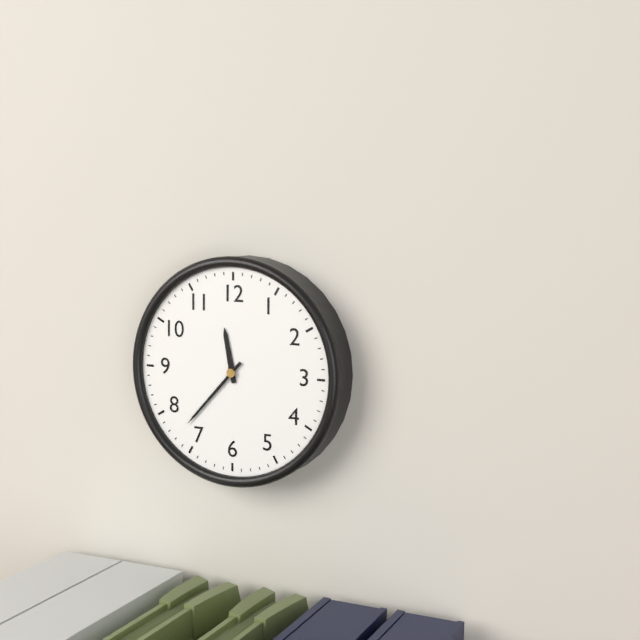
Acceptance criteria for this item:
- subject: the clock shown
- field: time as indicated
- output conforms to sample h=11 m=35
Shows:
h=11 m=37
